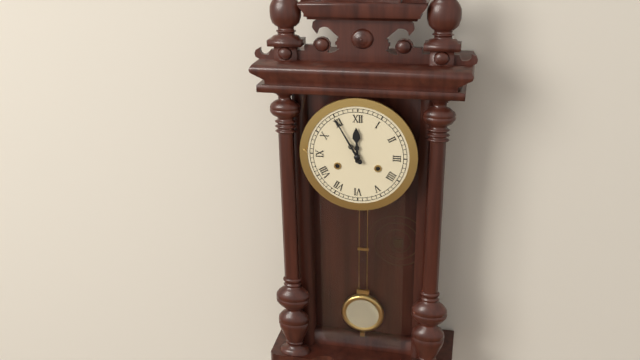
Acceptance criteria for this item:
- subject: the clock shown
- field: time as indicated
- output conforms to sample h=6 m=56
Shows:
h=11 m=55
